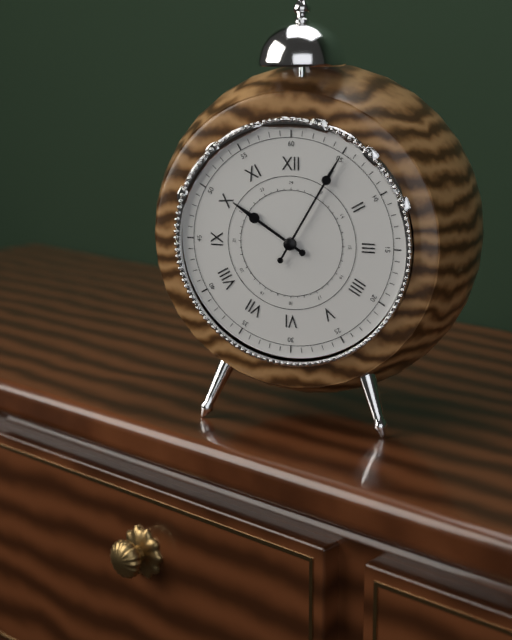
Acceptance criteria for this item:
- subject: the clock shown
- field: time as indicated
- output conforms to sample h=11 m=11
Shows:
h=10 m=5
